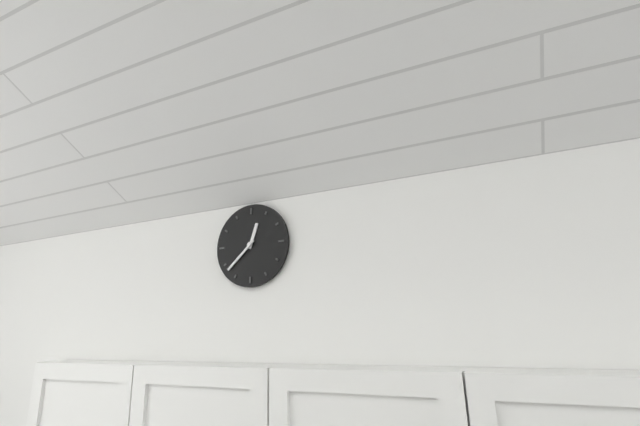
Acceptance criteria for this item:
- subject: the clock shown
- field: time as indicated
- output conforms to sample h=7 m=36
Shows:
h=12 m=38
